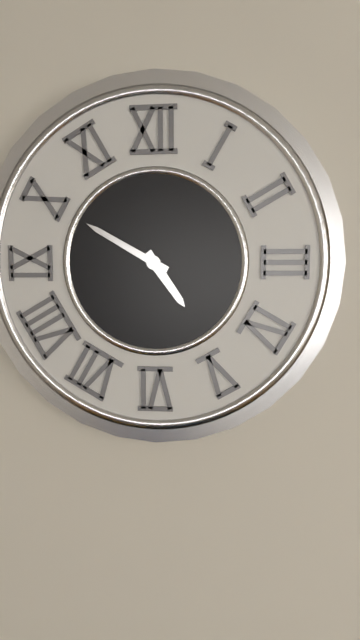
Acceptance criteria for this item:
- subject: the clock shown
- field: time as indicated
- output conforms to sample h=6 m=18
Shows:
h=4 m=50
